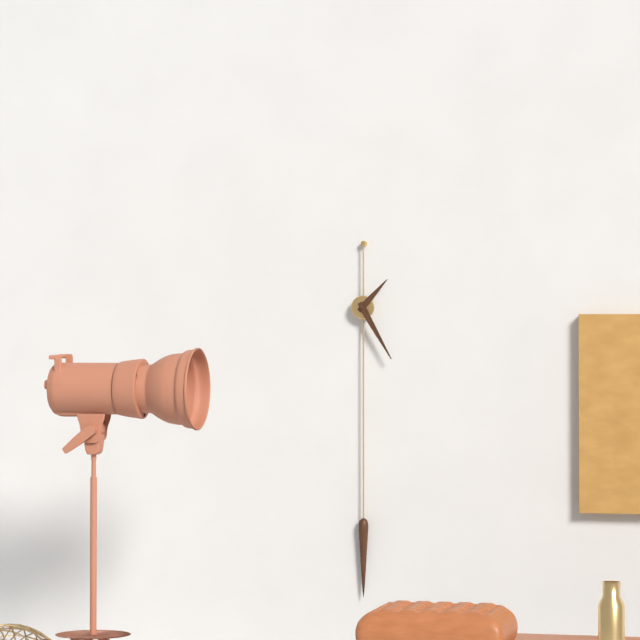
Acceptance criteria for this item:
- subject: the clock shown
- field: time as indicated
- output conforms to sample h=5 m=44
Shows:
h=1 m=25
